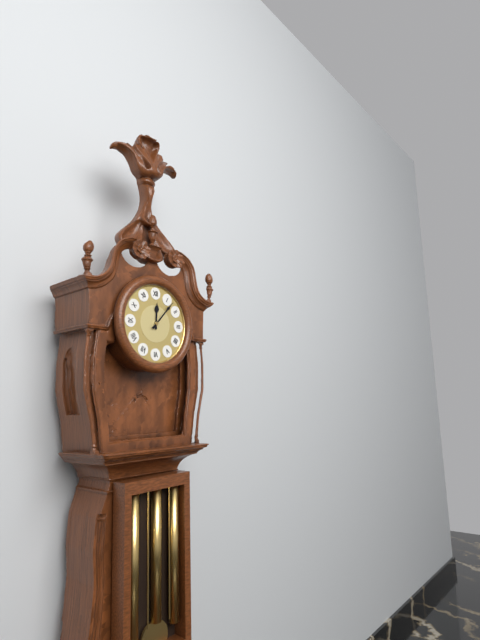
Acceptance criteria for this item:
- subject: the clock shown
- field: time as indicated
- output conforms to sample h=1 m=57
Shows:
h=12 m=7
